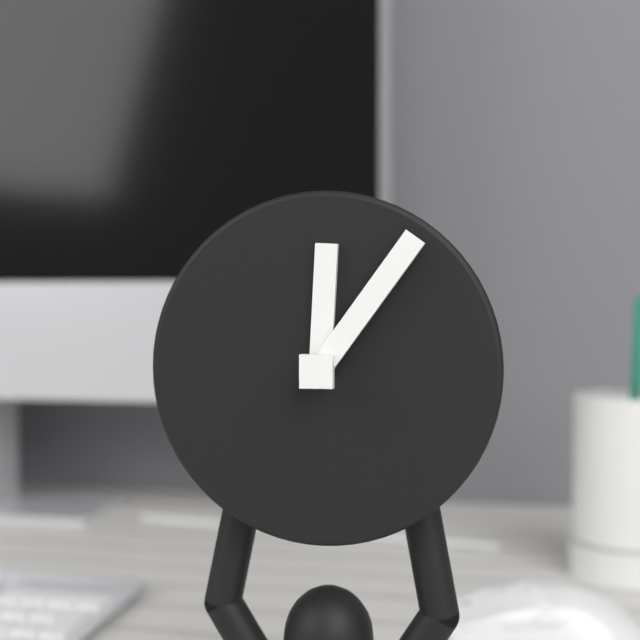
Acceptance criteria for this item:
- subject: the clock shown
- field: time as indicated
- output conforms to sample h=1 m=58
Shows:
h=12 m=6
